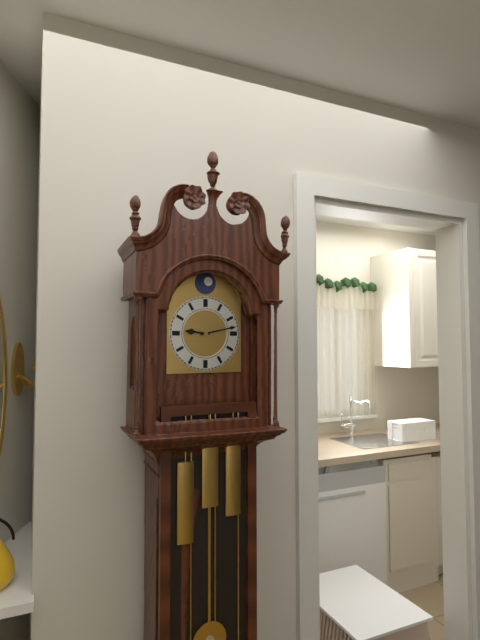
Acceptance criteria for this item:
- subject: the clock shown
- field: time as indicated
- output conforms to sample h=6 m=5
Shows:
h=9 m=13
